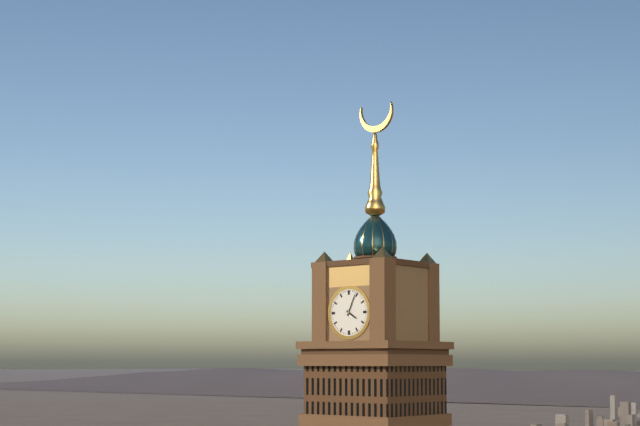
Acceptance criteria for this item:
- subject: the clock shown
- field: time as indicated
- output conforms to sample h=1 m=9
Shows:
h=4 m=4
